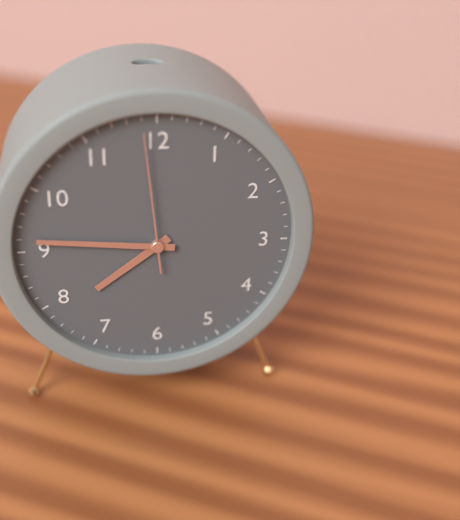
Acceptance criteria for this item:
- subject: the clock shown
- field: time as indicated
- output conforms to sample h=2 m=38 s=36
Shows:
h=7 m=46 s=59
